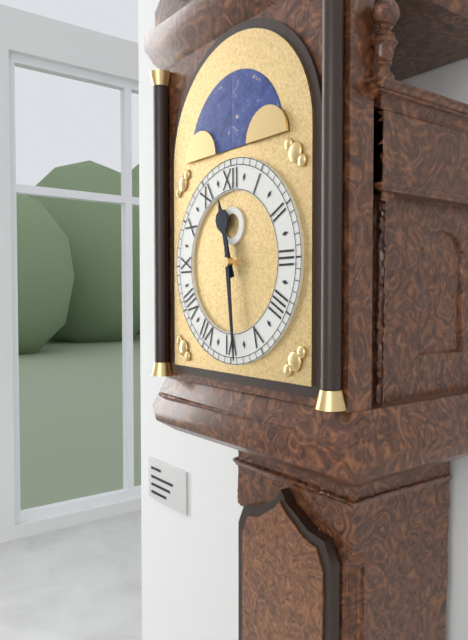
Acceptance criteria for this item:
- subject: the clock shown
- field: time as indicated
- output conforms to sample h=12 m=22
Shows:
h=11 m=29
